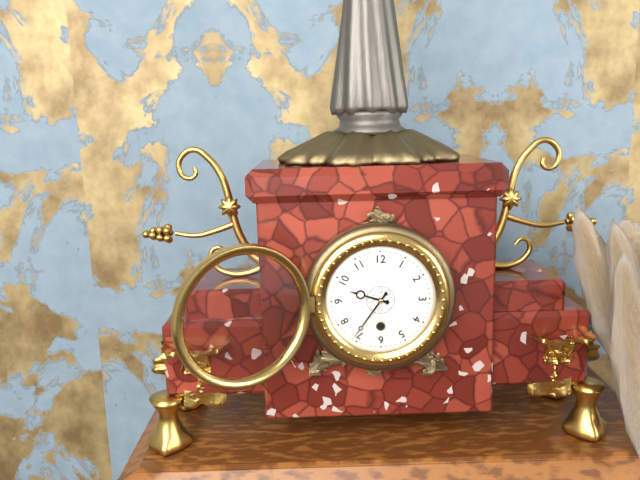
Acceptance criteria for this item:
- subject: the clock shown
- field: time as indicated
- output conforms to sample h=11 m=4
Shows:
h=9 m=36
